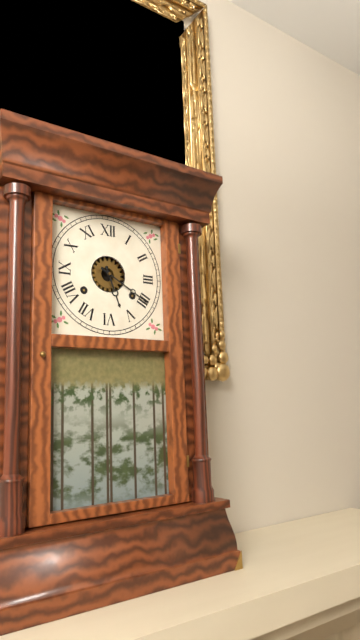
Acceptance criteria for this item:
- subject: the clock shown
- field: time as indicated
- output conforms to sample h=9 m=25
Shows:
h=5 m=20
